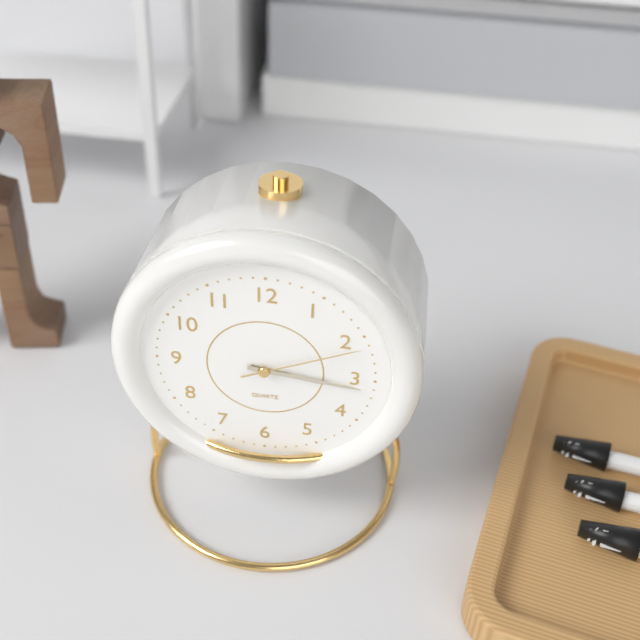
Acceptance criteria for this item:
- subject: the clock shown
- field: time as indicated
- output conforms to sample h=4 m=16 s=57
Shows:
h=3 m=16 s=11
